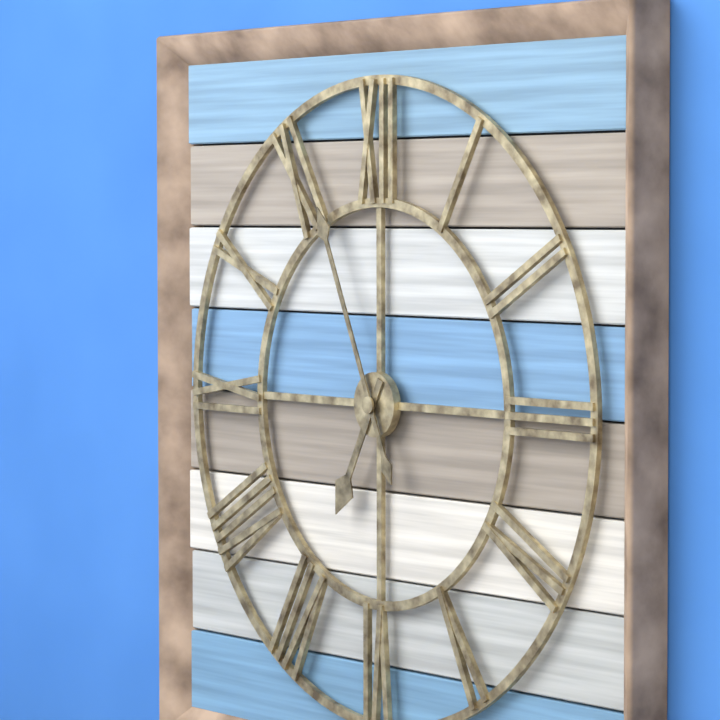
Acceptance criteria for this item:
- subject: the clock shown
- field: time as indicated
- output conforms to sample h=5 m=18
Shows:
h=6 m=56
